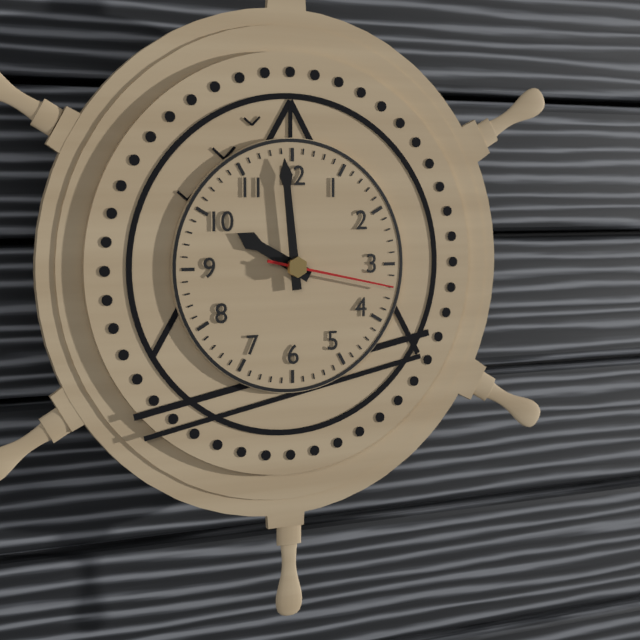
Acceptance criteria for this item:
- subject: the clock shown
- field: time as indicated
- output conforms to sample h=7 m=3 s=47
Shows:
h=9 m=59 s=17
